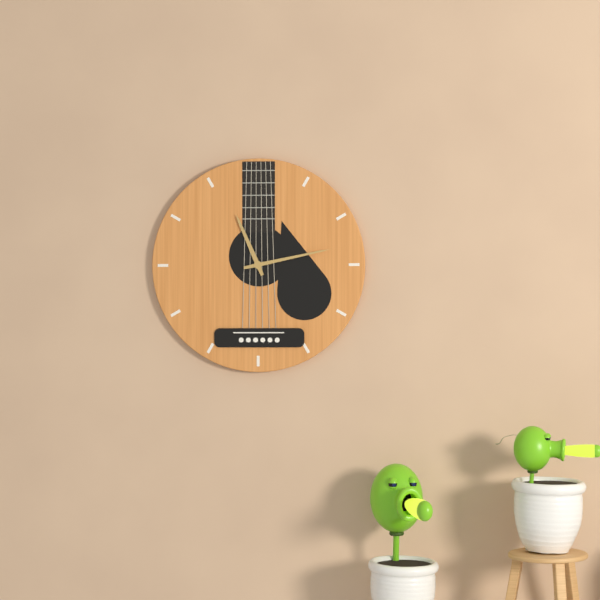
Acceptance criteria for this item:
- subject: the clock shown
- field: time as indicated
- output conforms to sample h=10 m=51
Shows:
h=11 m=13
